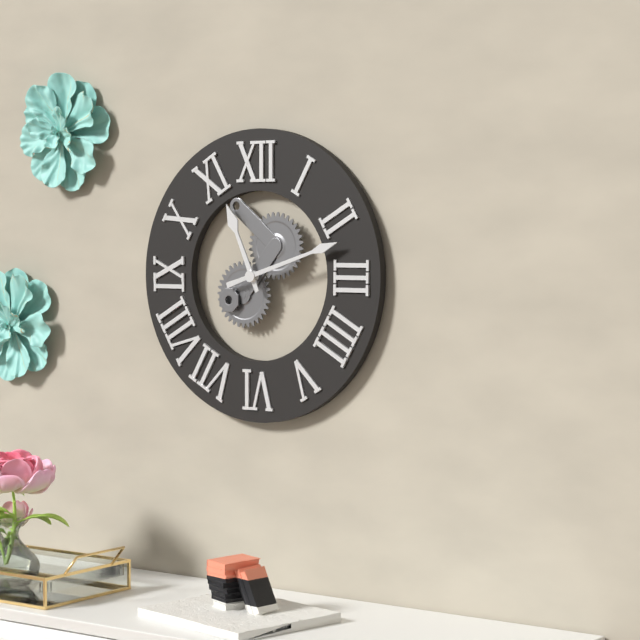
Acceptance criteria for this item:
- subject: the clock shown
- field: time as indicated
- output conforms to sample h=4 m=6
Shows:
h=11 m=12
